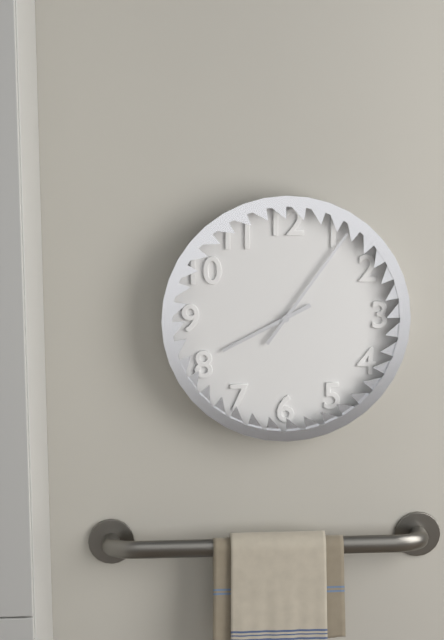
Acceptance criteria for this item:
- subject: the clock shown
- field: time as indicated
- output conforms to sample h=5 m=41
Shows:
h=8 m=6
